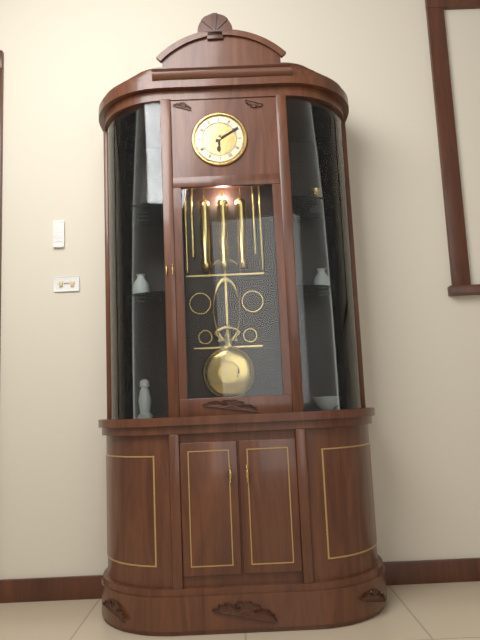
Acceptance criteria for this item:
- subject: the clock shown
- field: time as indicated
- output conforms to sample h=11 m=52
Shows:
h=6 m=10
